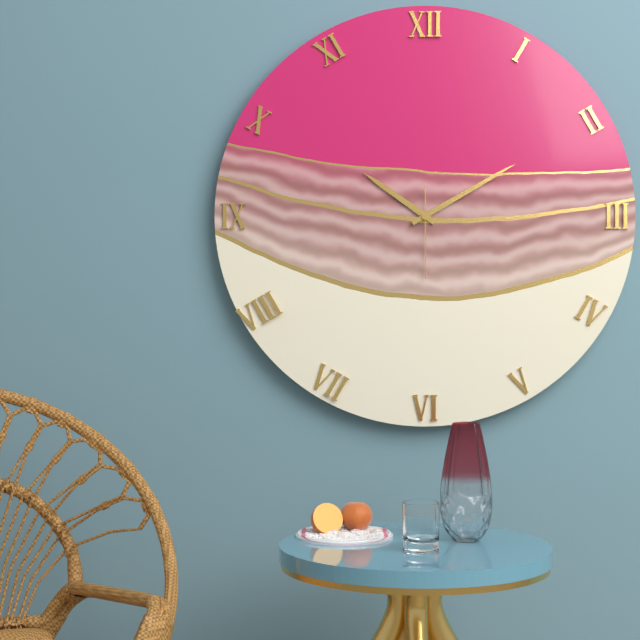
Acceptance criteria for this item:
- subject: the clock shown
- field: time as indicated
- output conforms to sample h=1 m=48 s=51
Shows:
h=10 m=10 s=30
